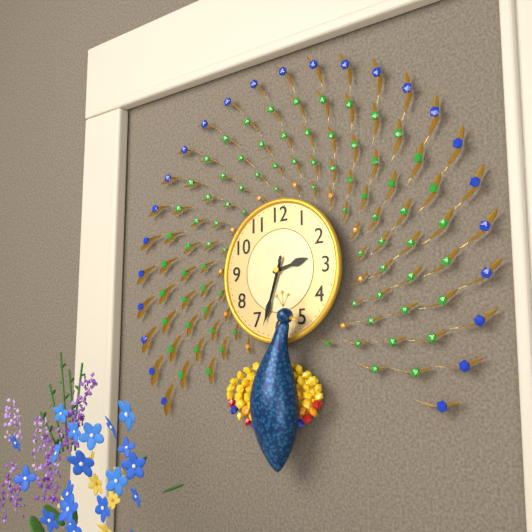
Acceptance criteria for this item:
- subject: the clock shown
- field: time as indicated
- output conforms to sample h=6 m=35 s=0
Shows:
h=2 m=33 s=33
